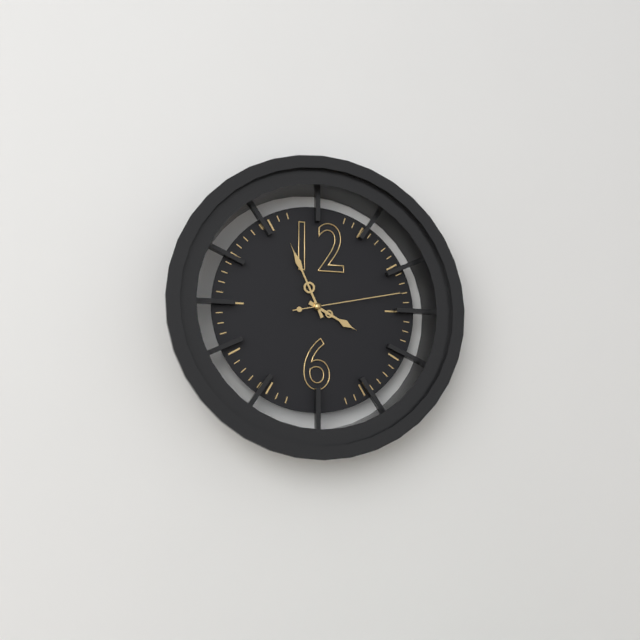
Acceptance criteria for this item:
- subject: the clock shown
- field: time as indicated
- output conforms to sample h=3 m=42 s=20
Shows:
h=3 m=56 s=13
